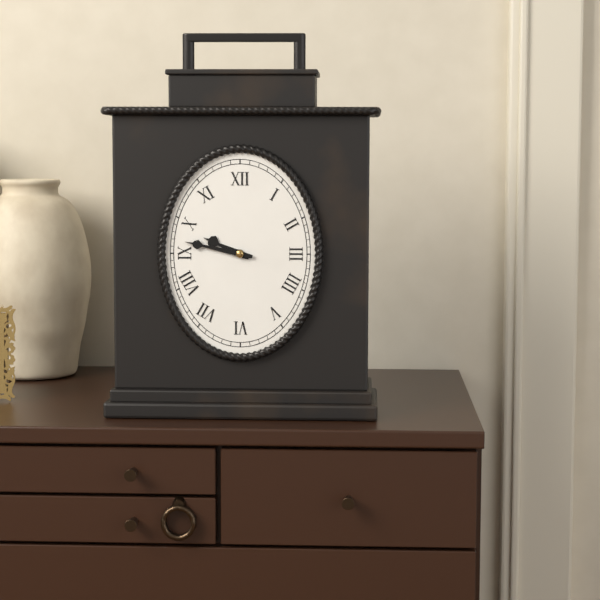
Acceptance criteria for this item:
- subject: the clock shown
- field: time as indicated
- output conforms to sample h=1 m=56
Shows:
h=9 m=47
